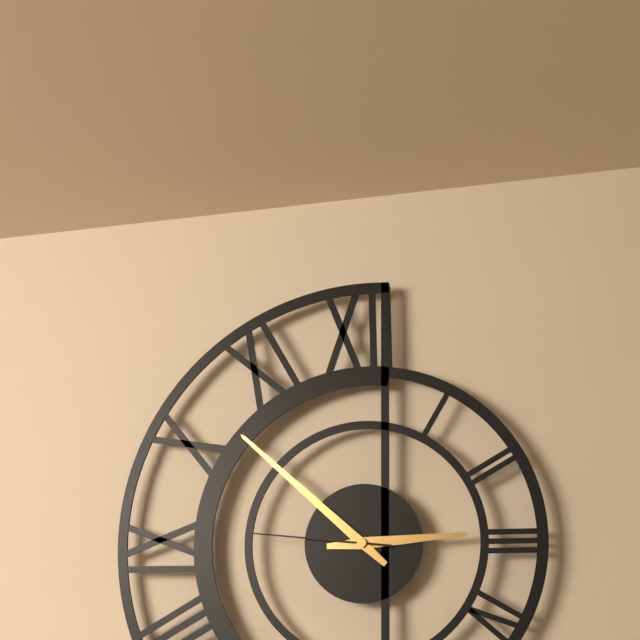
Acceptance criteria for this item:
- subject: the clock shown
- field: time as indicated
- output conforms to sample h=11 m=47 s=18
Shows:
h=2 m=52 s=46
